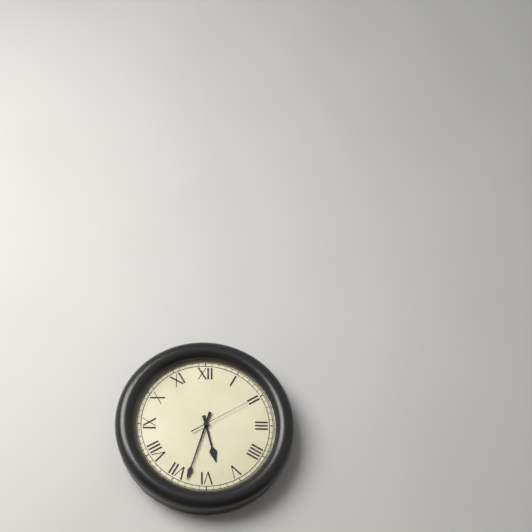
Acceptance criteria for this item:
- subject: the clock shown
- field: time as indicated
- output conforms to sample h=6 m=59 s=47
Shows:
h=5 m=33 s=10
